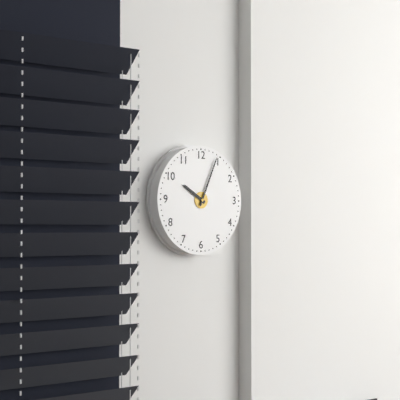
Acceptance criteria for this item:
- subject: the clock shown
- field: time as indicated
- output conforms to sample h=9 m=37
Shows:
h=10 m=4
